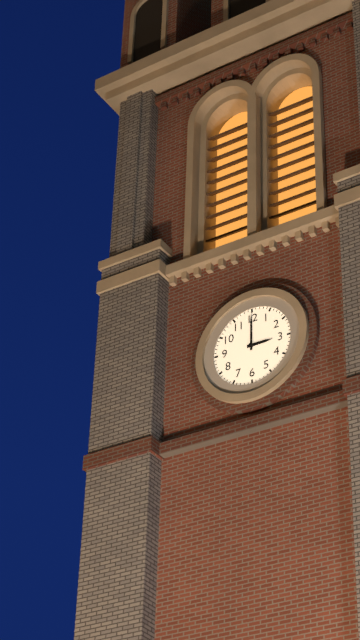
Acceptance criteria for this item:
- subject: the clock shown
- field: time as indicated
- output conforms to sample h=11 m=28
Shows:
h=3 m=0
